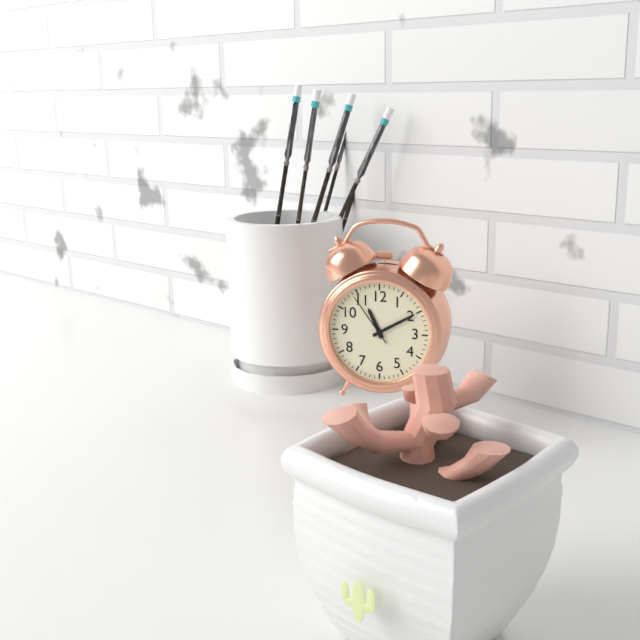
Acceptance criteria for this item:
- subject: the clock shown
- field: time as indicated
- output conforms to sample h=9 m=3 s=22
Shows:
h=11 m=10 s=54
